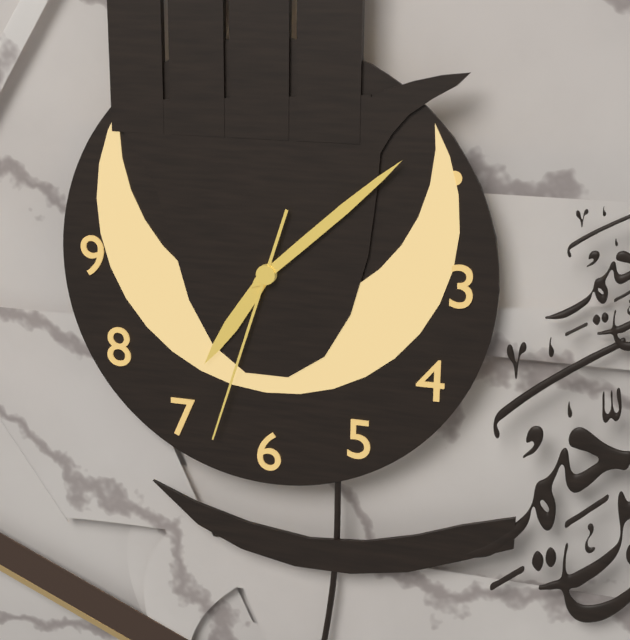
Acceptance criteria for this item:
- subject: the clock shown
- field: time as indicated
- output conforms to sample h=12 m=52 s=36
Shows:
h=7 m=8 s=33
